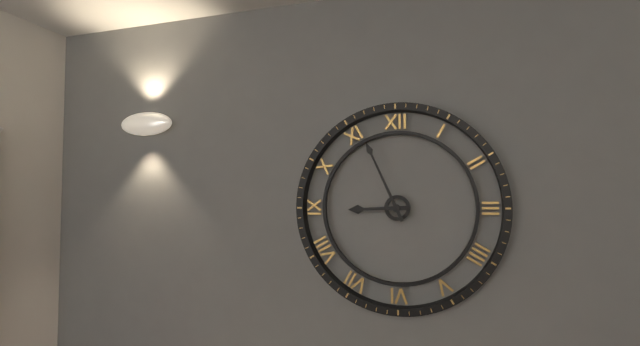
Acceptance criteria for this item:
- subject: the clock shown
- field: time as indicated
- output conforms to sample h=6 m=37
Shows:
h=8 m=56
